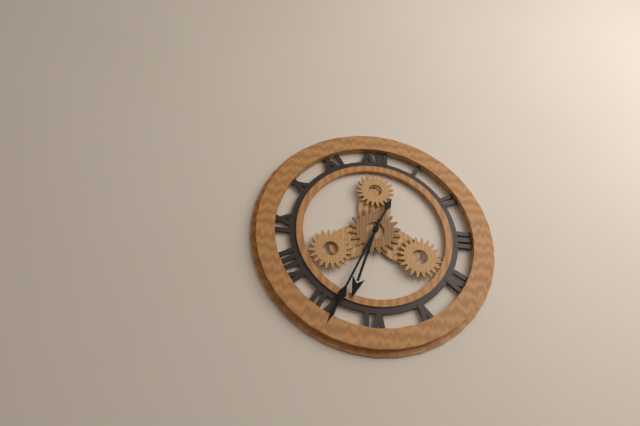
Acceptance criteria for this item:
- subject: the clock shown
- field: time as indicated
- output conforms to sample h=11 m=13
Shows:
h=6 m=34
